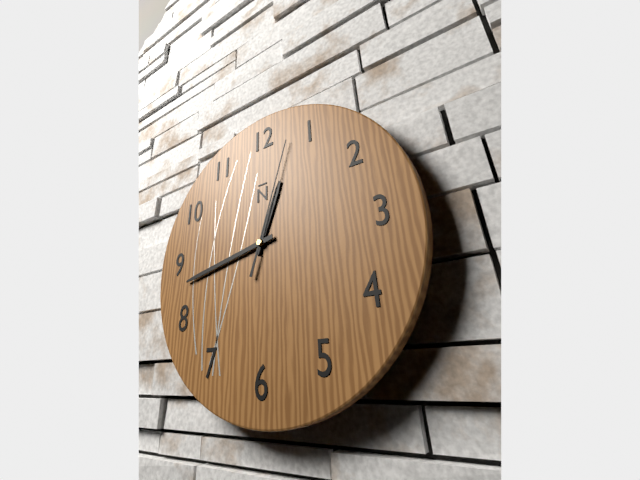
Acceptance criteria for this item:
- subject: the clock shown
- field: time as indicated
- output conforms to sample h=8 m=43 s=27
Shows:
h=12 m=43 s=3
